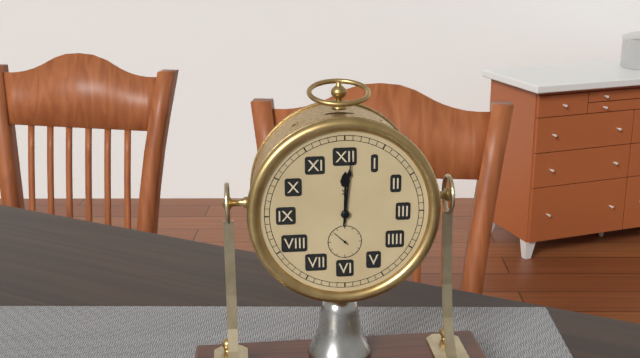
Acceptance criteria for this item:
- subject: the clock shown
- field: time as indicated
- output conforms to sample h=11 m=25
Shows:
h=12 m=1
